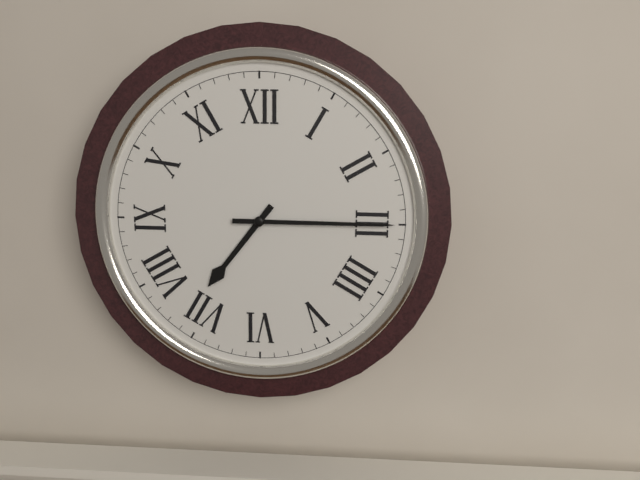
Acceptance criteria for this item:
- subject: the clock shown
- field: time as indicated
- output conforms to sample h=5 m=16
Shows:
h=7 m=15
